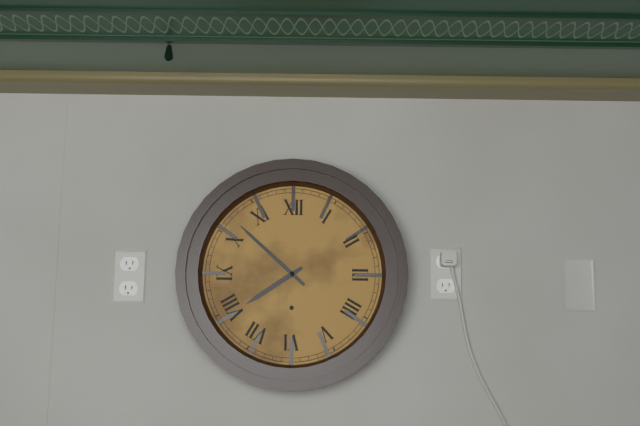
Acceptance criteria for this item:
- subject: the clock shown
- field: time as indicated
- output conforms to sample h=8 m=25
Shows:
h=7 m=52
